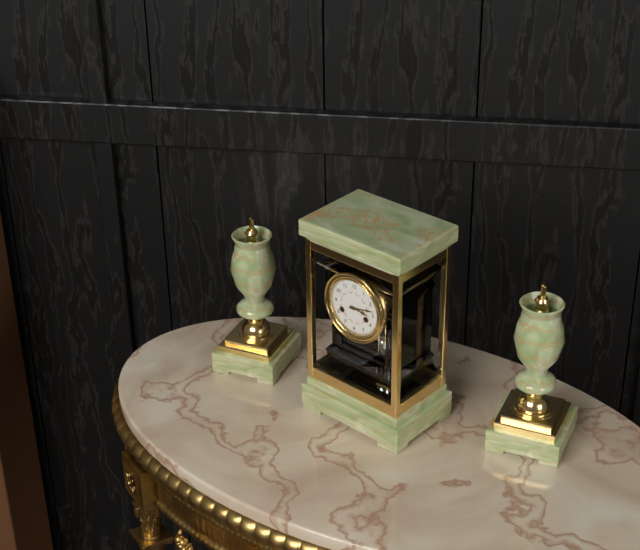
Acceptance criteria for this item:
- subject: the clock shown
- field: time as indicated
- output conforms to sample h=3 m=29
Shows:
h=3 m=13
